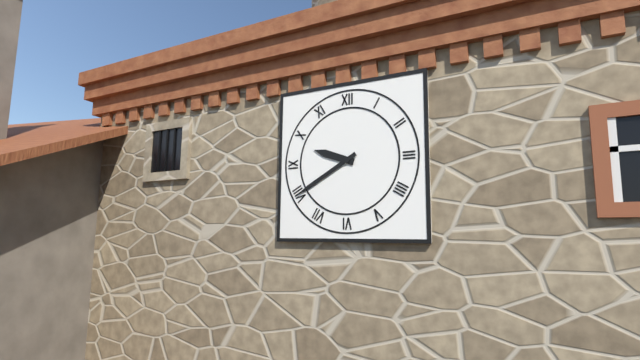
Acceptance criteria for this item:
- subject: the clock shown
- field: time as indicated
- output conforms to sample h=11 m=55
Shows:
h=9 m=40
